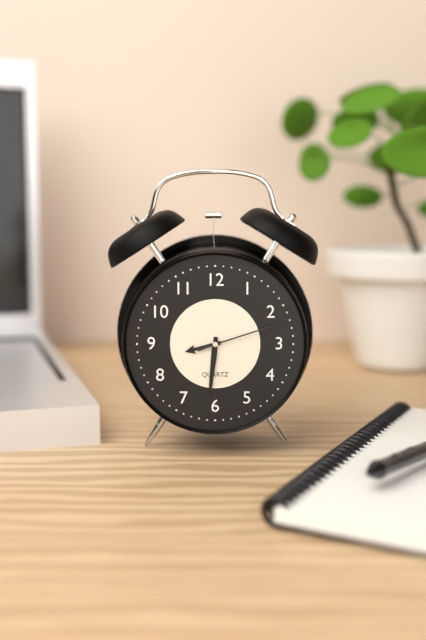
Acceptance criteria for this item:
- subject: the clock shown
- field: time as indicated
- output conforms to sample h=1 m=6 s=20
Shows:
h=8 m=31 s=12
